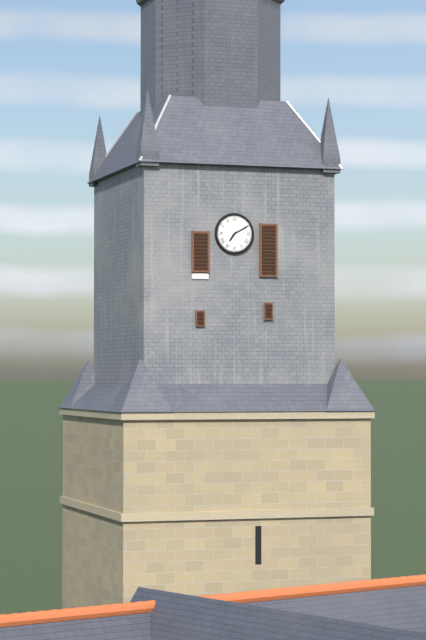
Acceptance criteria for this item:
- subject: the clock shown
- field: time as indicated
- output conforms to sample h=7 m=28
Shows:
h=7 m=10
